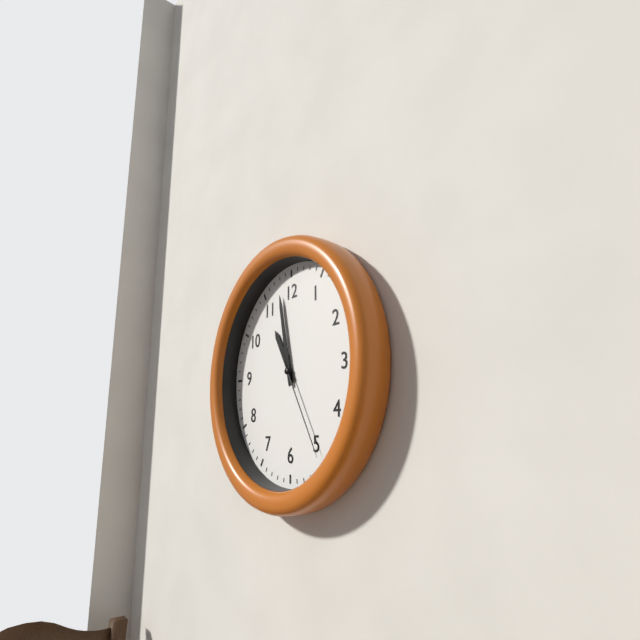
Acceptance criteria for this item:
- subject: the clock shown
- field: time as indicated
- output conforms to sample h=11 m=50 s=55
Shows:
h=10 m=58 s=25
